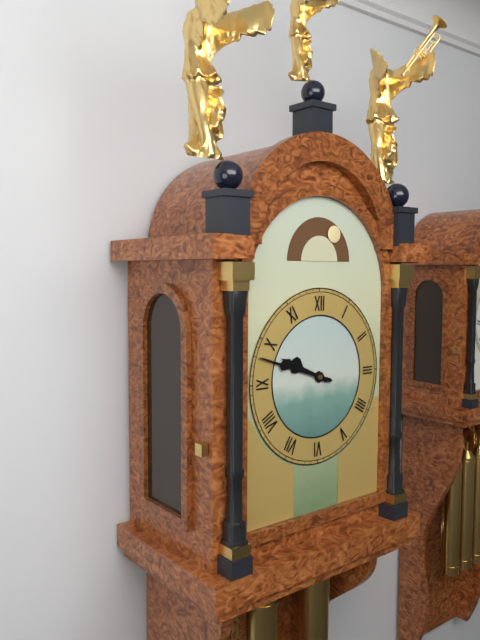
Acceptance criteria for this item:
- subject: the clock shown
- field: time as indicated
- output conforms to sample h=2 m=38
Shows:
h=9 m=48
